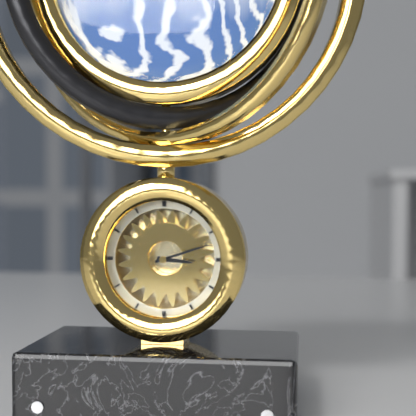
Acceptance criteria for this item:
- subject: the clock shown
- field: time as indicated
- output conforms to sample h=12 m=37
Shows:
h=3 m=12
